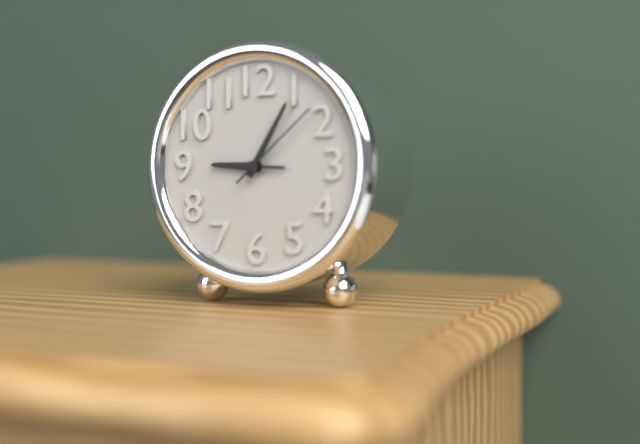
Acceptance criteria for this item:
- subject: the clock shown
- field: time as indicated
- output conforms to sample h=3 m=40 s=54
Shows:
h=9 m=5 s=8
